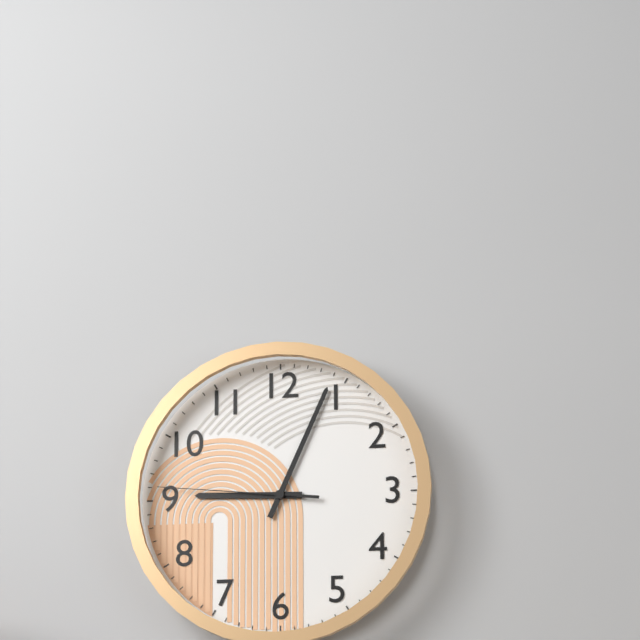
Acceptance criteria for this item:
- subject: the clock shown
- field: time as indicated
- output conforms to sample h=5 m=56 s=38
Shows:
h=9 m=4 s=46
